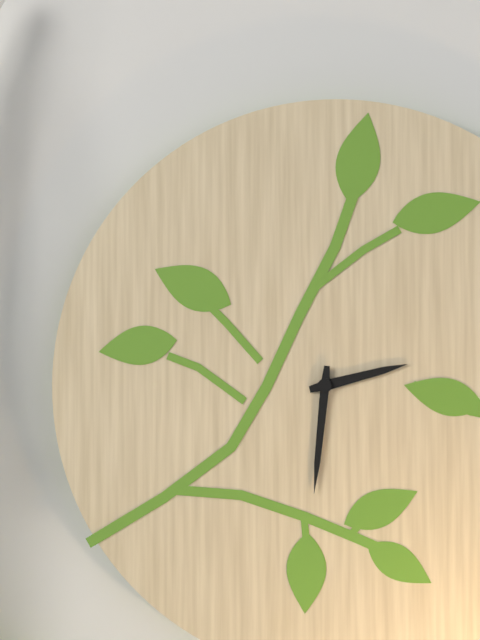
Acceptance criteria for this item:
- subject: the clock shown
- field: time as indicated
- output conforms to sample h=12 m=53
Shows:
h=2 m=31
